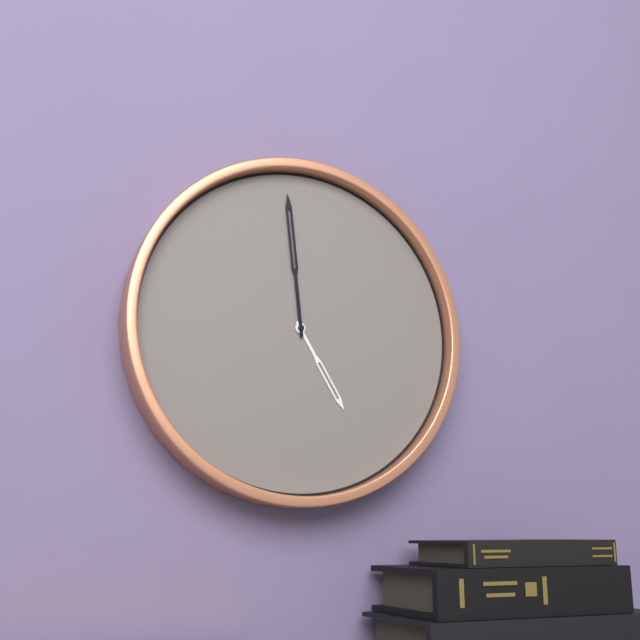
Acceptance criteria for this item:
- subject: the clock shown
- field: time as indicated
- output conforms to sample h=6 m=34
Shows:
h=4 m=59
